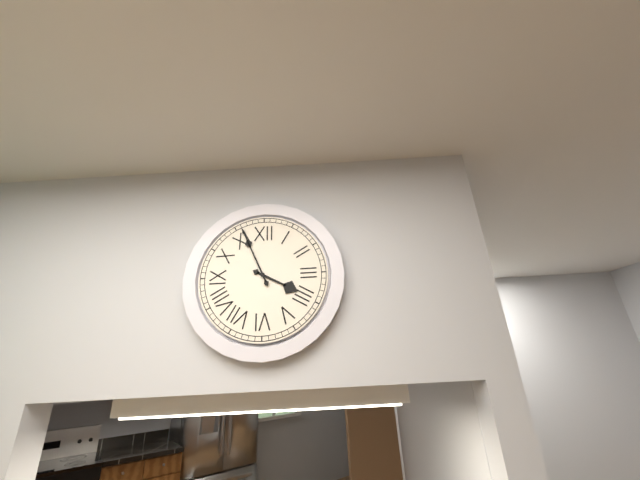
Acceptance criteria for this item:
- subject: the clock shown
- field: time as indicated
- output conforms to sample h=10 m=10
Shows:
h=3 m=56
